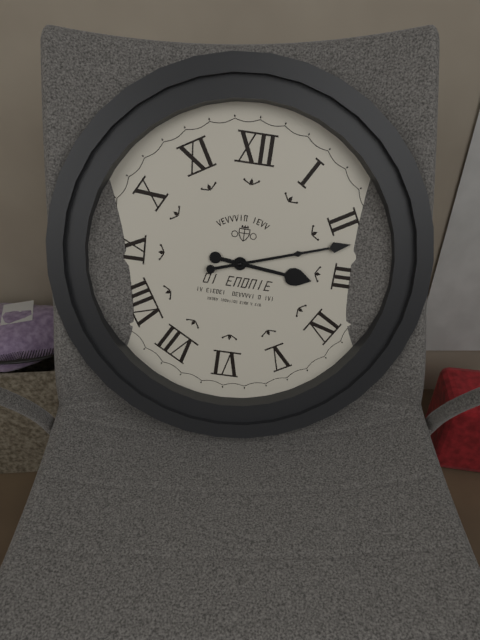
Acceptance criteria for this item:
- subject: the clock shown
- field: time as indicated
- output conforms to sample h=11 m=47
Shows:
h=3 m=12
